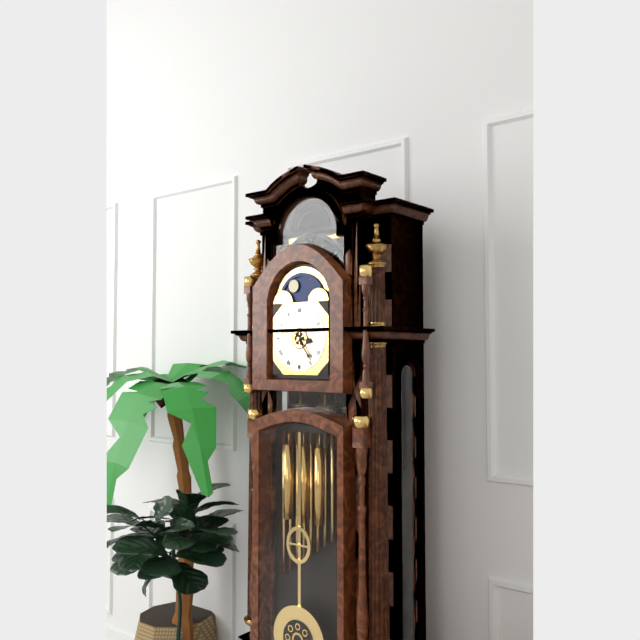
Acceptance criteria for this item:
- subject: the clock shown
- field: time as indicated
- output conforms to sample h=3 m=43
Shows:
h=3 m=24
